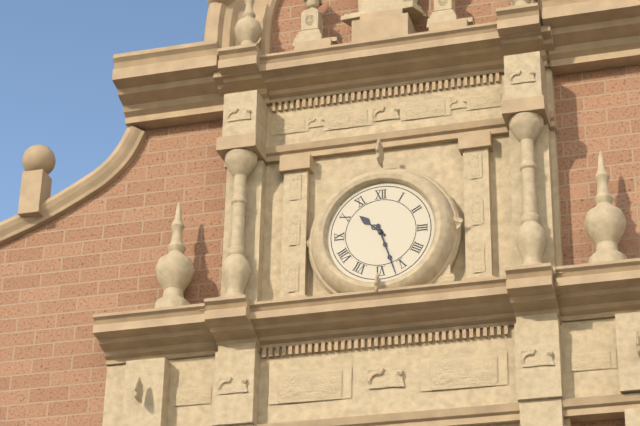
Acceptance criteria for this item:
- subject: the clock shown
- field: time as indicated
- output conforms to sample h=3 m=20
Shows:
h=10 m=27
